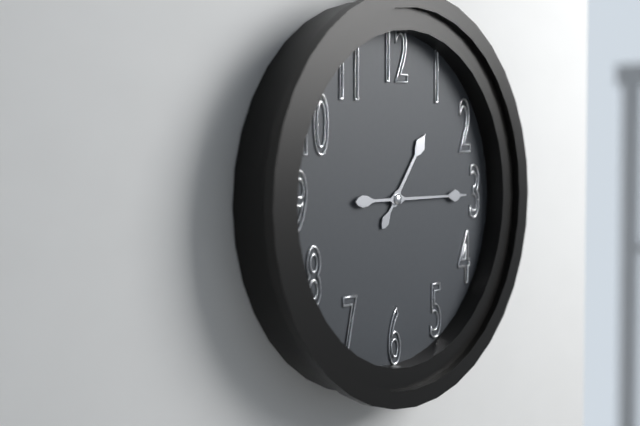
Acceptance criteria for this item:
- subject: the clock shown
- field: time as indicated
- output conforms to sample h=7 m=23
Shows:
h=1 m=15
